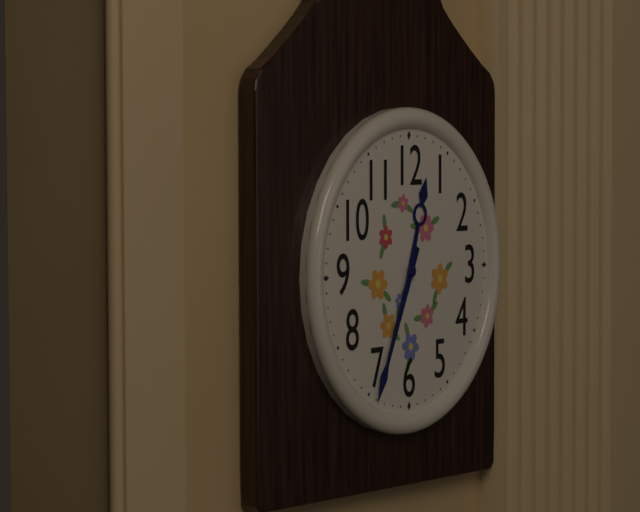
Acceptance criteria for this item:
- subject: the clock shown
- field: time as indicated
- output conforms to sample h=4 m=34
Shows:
h=12 m=34
